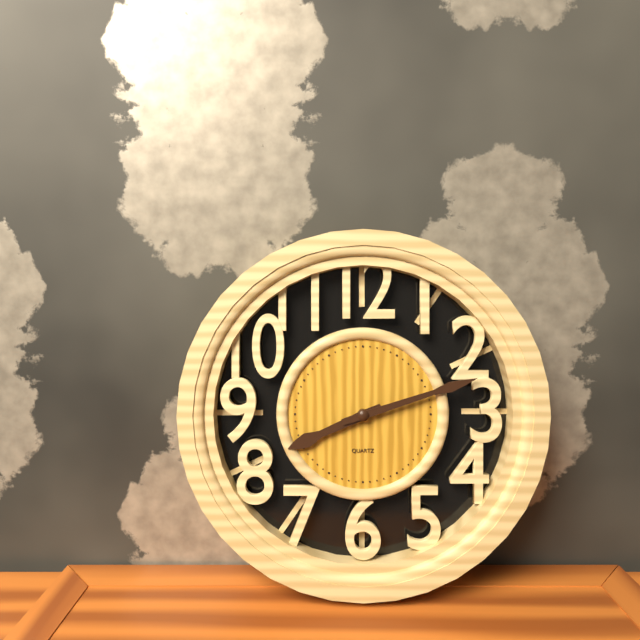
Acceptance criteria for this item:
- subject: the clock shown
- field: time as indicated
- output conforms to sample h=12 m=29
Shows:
h=8 m=12
